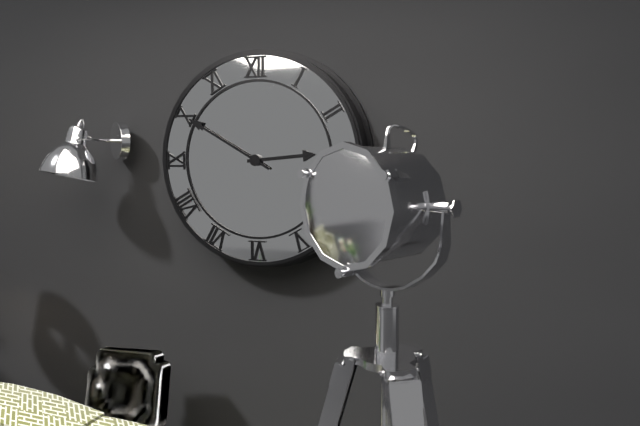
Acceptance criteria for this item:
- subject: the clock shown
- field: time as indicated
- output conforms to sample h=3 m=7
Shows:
h=2 m=50
